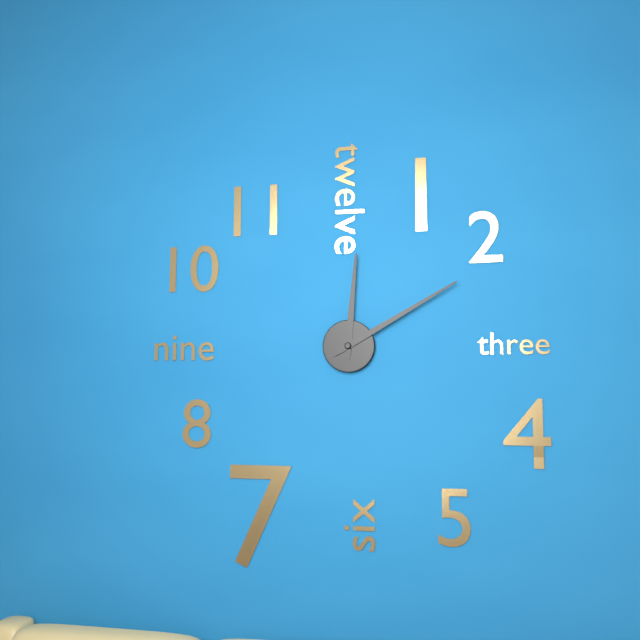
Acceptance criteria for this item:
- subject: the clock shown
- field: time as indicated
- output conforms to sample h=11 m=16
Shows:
h=12 m=10
